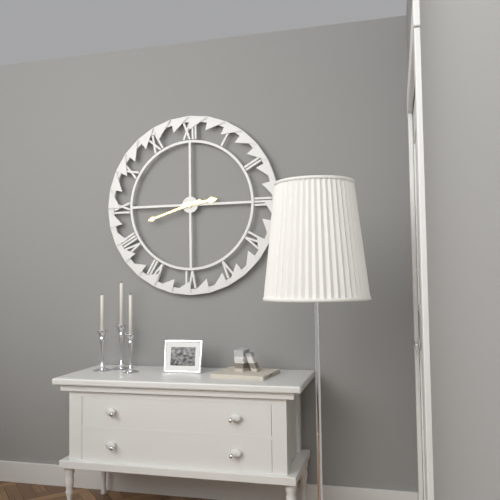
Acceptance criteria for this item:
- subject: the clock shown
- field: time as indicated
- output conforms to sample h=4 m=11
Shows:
h=2 m=42
